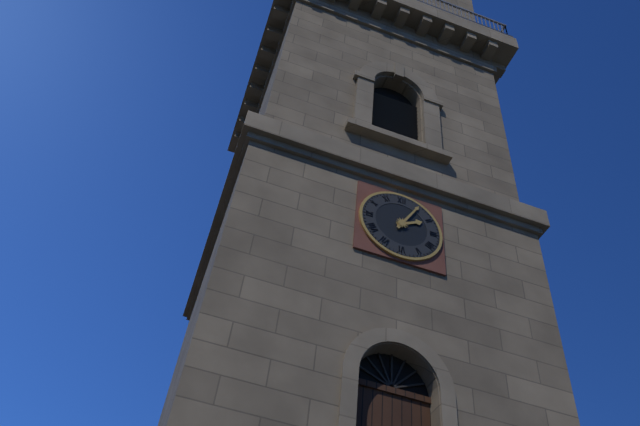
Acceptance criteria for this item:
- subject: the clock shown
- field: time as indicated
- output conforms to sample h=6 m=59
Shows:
h=2 m=5
